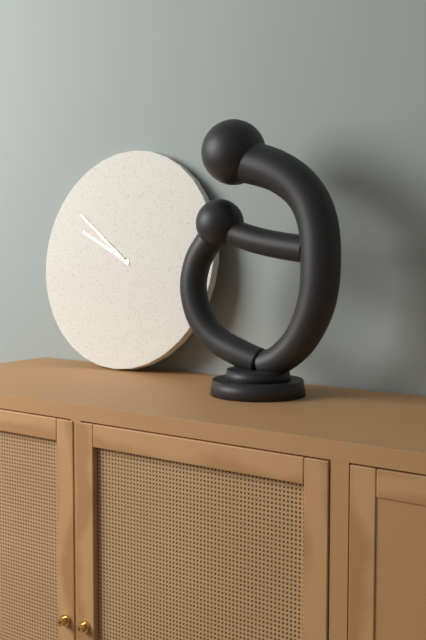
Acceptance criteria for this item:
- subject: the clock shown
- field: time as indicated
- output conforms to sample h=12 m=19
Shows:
h=9 m=51
